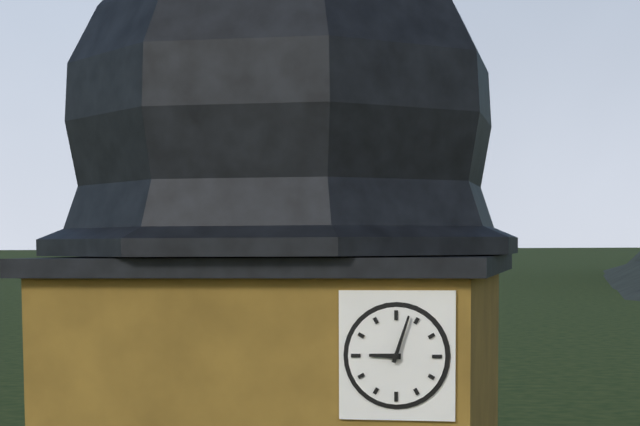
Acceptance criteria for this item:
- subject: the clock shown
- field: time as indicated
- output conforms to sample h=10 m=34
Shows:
h=9 m=3
